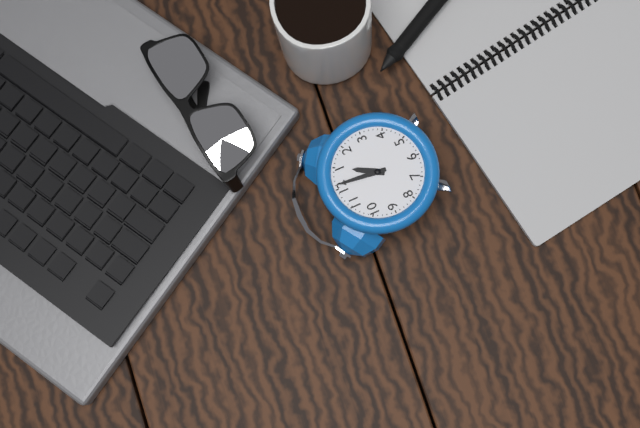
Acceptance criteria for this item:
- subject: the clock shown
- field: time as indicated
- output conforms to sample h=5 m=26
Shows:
h=1 m=1
